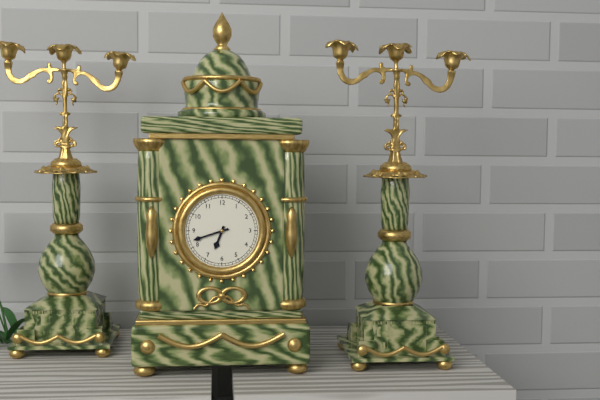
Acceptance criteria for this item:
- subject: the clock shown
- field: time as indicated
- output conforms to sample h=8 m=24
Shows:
h=6 m=42
